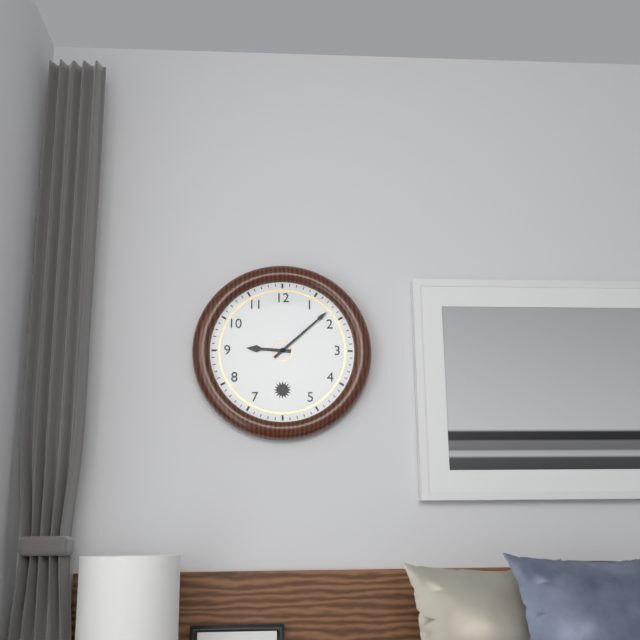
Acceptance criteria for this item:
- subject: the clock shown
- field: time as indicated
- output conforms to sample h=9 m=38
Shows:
h=9 m=8
